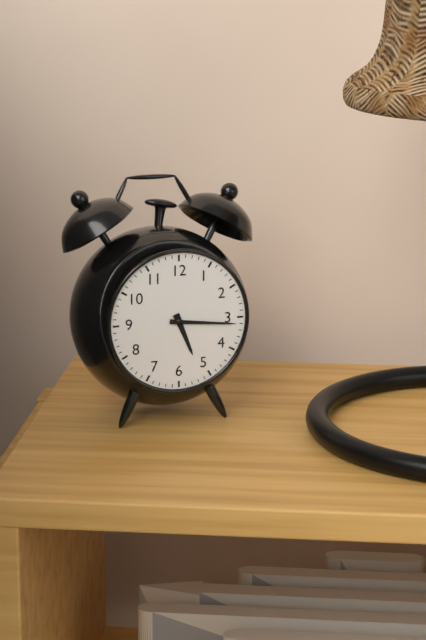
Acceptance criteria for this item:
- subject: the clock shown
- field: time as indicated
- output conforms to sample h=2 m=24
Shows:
h=5 m=16
